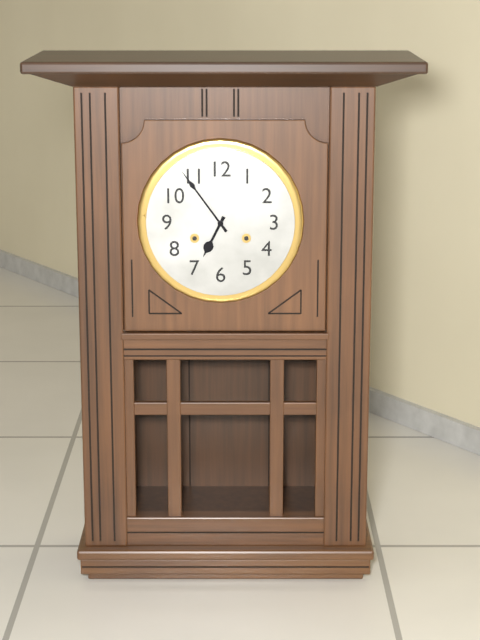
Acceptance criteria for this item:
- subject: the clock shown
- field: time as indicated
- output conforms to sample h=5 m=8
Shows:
h=6 m=54
